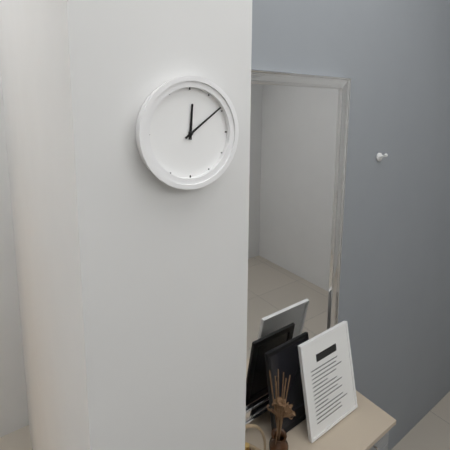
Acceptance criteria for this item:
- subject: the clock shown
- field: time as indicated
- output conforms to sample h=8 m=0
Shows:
h=12 m=9
